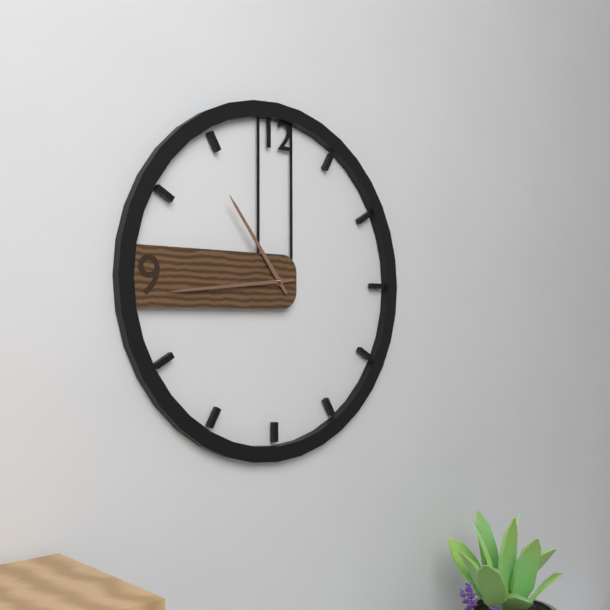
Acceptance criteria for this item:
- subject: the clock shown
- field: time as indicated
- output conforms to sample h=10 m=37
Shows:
h=10 m=44
